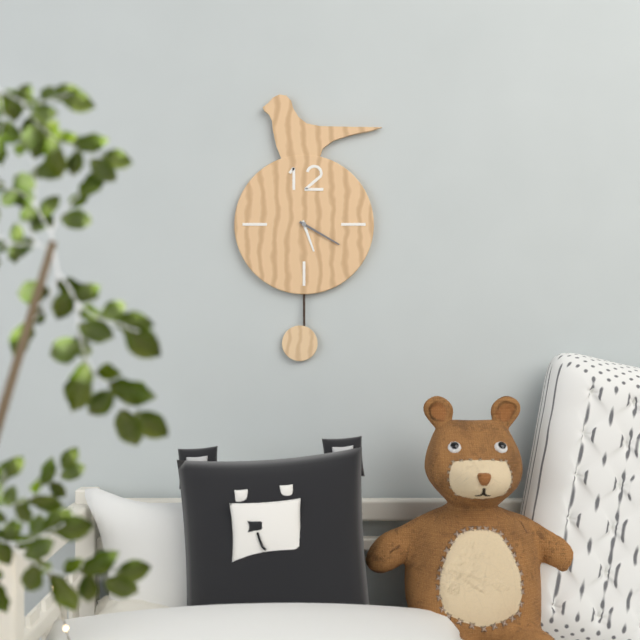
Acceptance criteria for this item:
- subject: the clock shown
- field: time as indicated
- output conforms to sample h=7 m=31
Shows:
h=5 m=20
